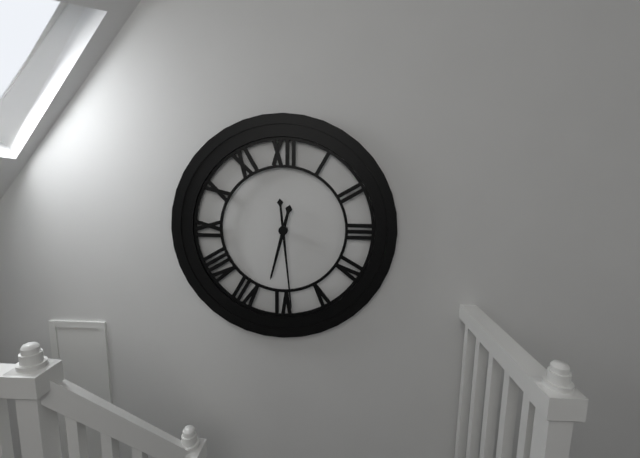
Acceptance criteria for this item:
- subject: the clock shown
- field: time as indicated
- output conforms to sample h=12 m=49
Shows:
h=6 m=29
